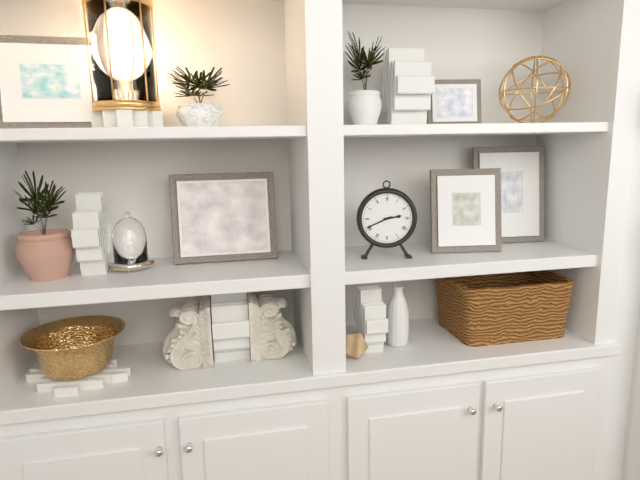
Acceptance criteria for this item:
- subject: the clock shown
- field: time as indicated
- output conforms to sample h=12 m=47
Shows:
h=2 m=41
